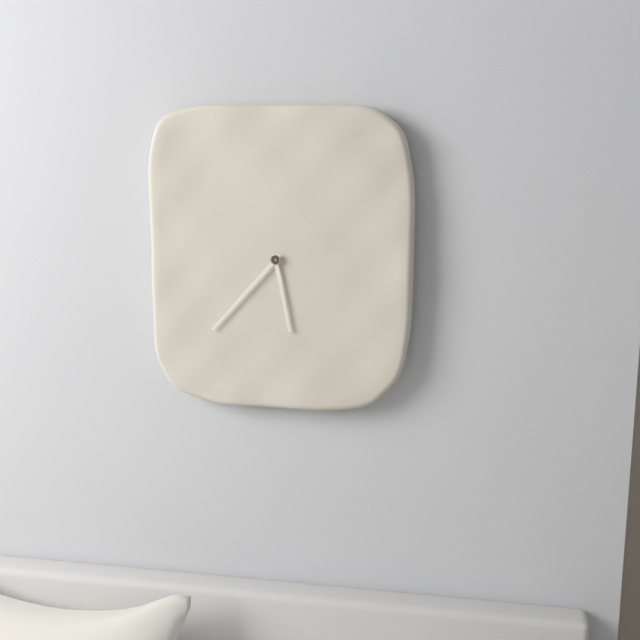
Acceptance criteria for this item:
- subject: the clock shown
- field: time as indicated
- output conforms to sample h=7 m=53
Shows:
h=5 m=37
